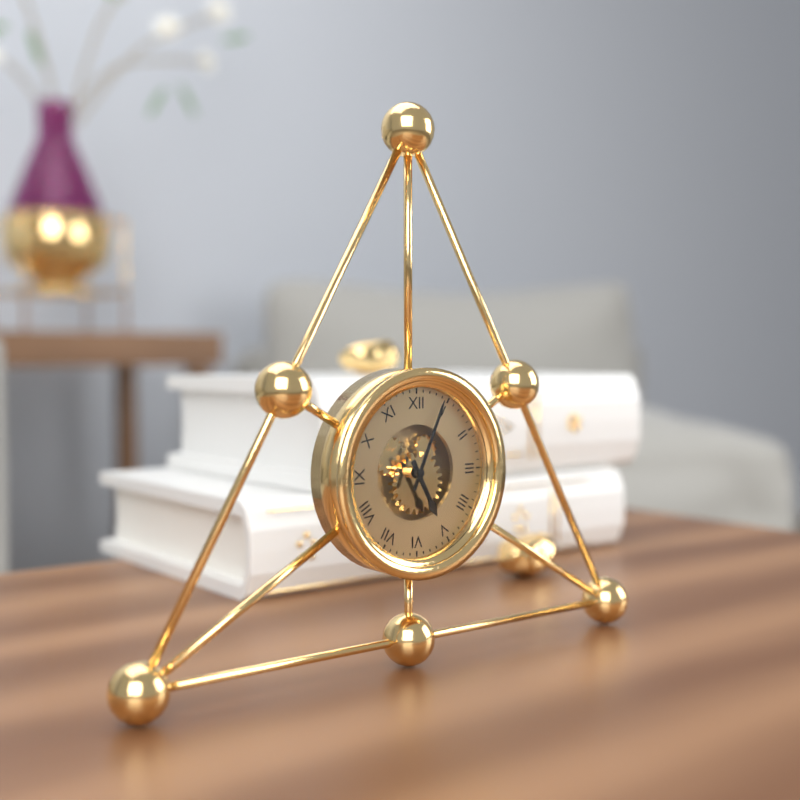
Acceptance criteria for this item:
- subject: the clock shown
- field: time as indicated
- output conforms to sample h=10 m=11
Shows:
h=5 m=4
